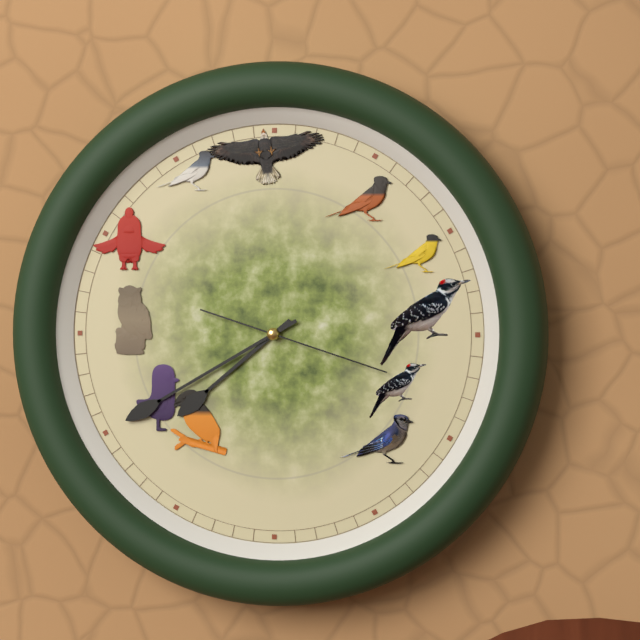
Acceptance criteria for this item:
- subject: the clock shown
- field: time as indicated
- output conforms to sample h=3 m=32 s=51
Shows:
h=7 m=40 s=18
